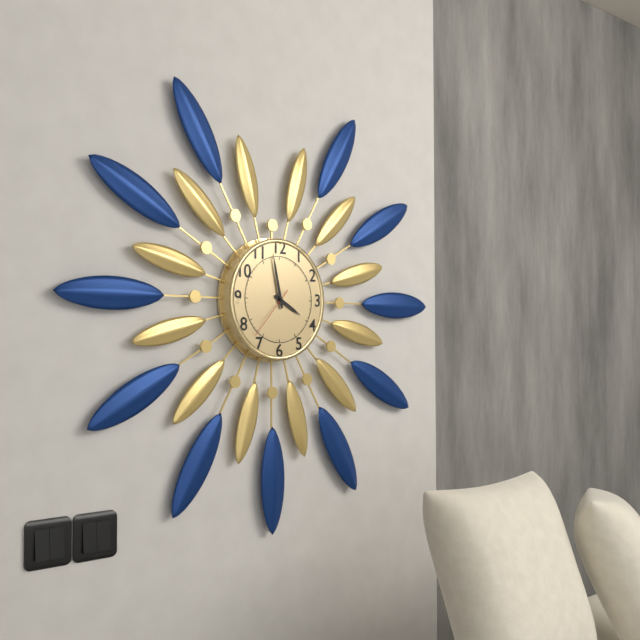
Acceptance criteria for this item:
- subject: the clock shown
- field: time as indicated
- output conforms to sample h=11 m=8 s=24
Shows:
h=3 m=58 s=37
